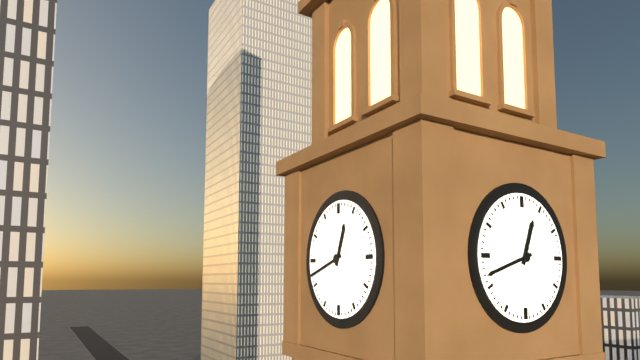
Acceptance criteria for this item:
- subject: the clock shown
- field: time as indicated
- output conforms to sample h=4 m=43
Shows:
h=12 m=42
